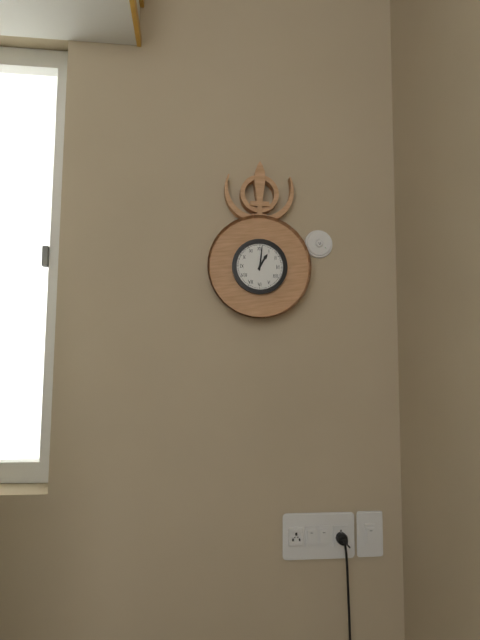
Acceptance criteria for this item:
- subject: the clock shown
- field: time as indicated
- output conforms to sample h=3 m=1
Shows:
h=1 m=1
